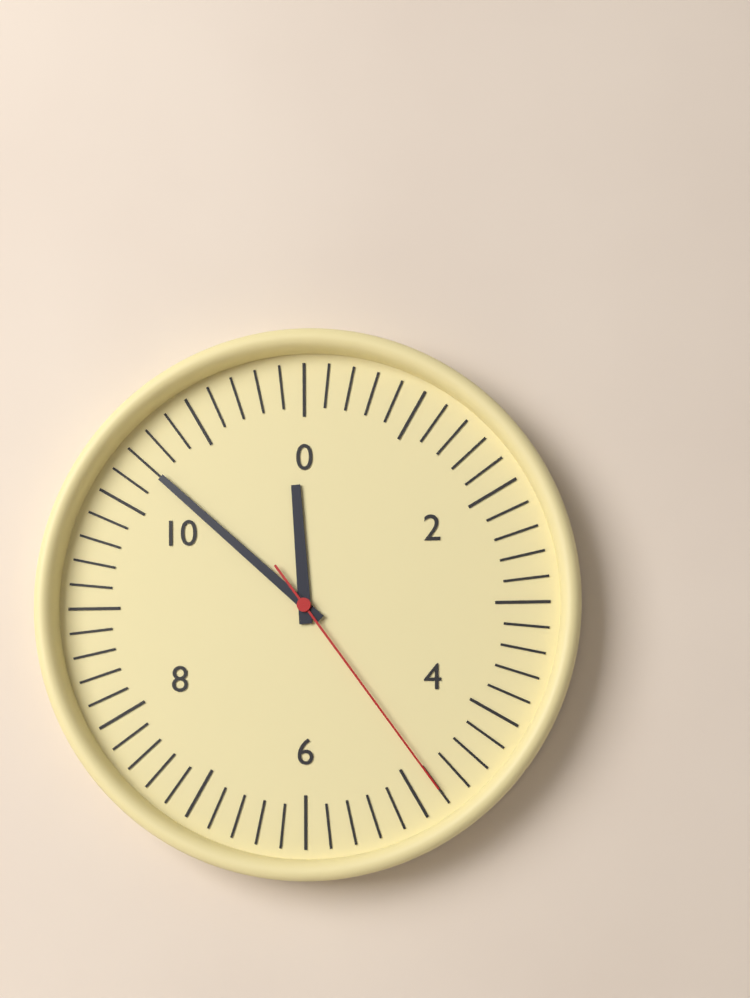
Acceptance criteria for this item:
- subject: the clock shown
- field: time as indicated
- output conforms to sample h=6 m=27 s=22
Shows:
h=11 m=52 s=24
